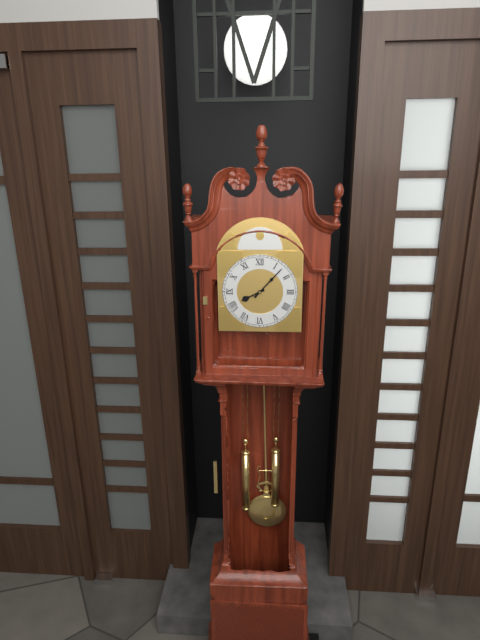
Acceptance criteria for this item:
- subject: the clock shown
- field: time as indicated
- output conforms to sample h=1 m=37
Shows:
h=8 m=7
